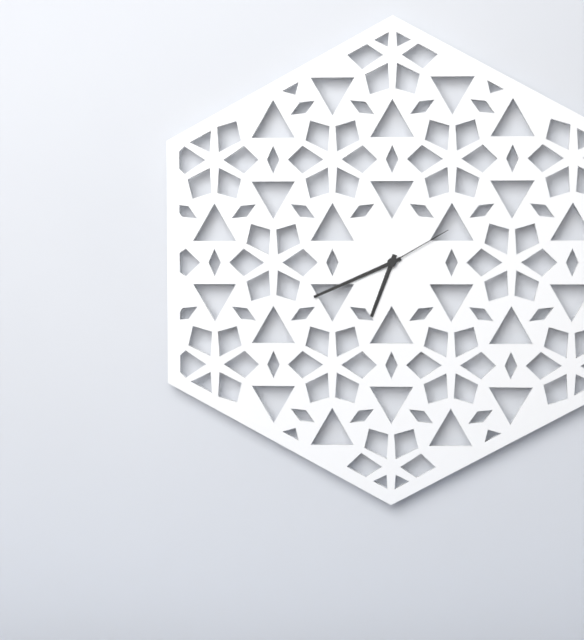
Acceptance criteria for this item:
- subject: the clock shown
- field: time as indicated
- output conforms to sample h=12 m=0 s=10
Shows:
h=6 m=41 s=10
